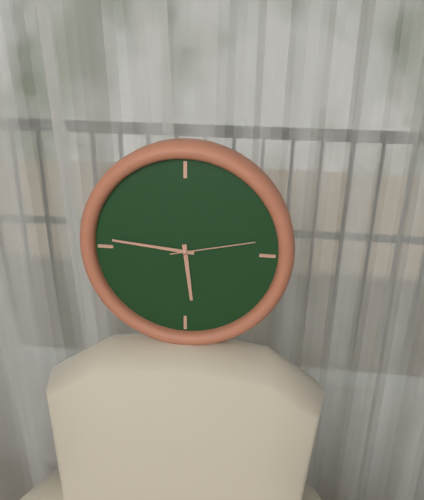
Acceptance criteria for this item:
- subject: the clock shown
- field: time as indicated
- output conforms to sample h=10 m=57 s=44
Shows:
h=5 m=46 s=13
